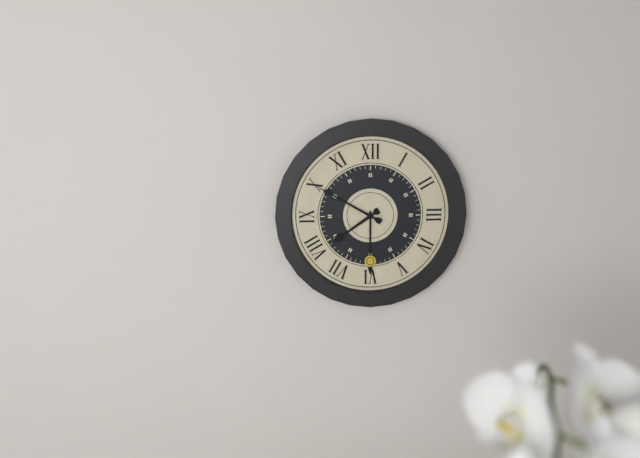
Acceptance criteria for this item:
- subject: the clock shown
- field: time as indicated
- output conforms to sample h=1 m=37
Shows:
h=7 m=50
